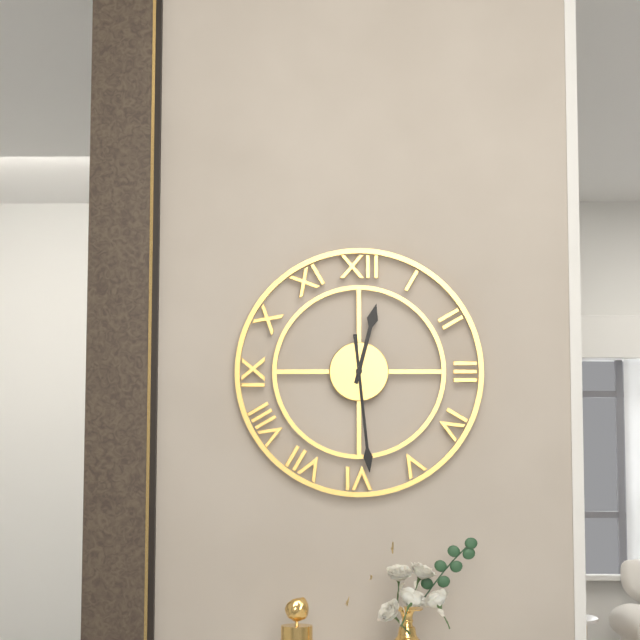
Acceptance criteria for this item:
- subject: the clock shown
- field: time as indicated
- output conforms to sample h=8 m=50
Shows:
h=12 m=29
